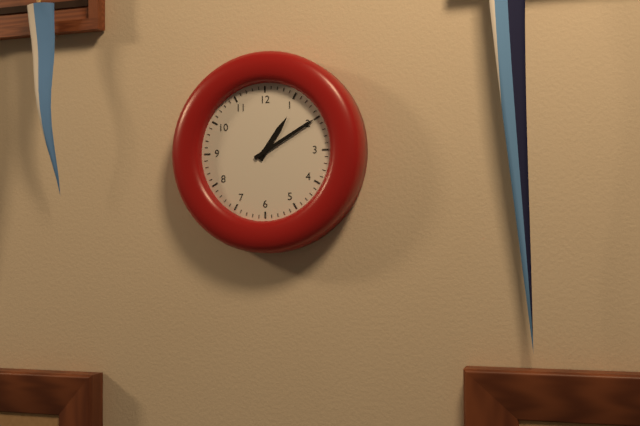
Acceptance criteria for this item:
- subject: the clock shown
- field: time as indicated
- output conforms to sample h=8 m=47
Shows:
h=1 m=10
